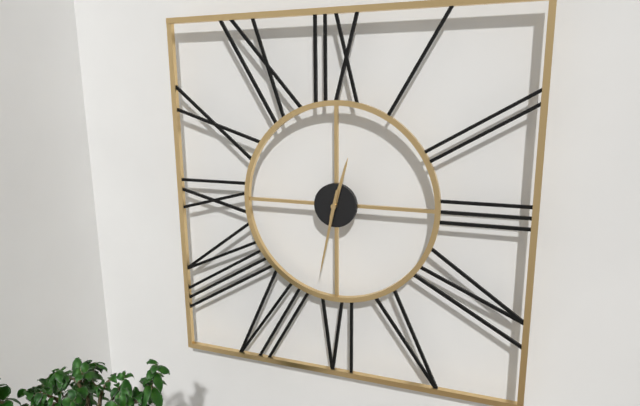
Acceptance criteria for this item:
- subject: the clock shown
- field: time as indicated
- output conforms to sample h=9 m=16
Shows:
h=12 m=32
